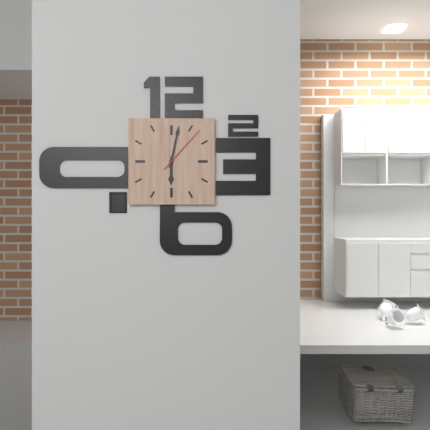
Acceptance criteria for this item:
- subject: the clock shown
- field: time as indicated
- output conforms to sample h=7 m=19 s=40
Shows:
h=6 m=2 s=7
